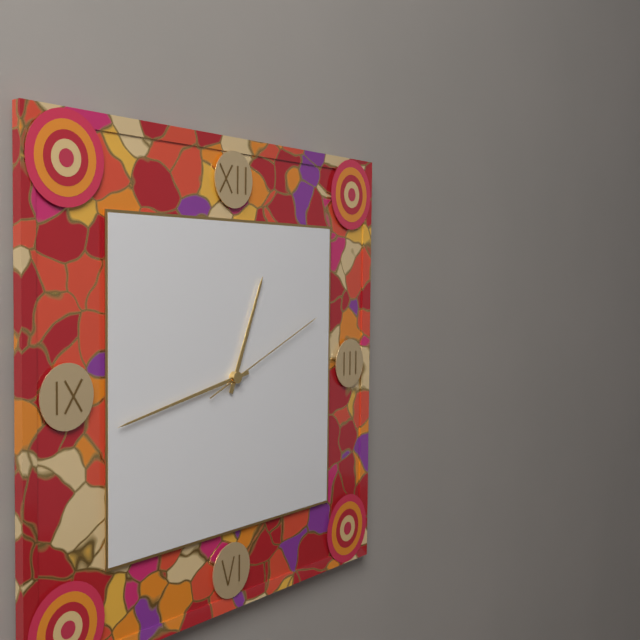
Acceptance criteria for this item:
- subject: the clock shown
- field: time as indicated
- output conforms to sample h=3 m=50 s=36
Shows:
h=12 m=43 s=11
